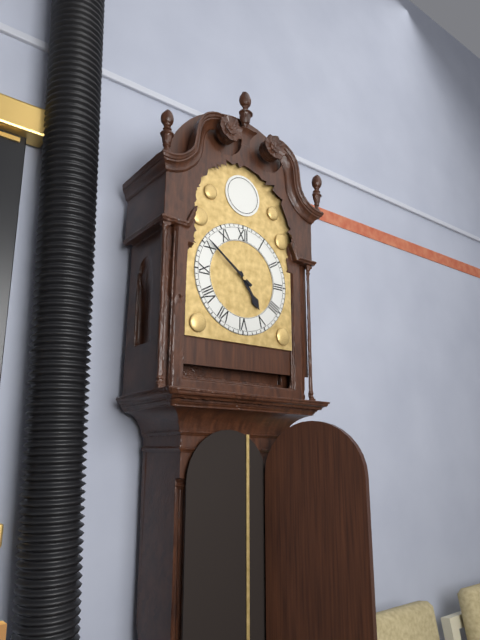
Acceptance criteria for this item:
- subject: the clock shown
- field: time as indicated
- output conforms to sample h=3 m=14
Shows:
h=4 m=51
